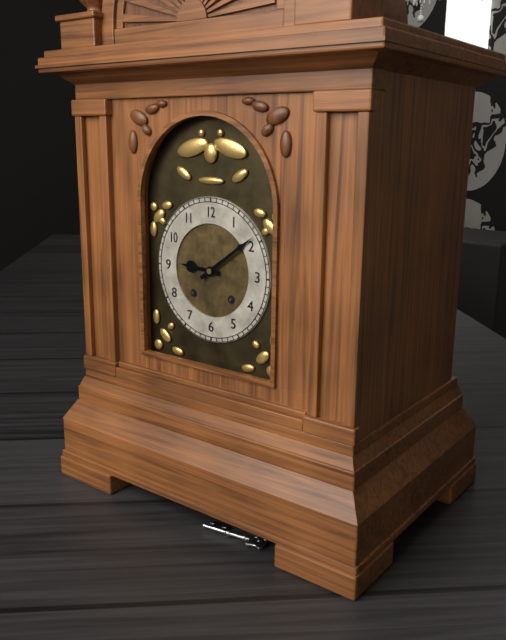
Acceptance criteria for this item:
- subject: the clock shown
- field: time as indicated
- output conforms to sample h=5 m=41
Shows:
h=9 m=9
